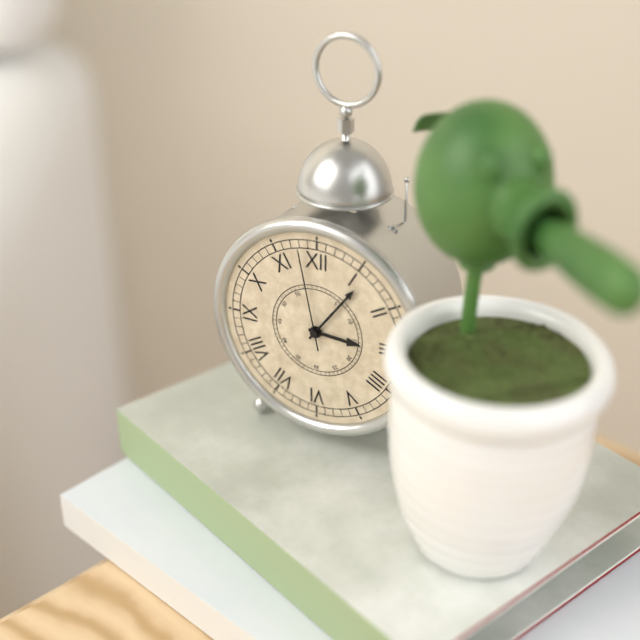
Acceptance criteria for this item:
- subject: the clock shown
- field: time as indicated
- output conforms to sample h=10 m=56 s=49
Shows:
h=3 m=6 s=58
